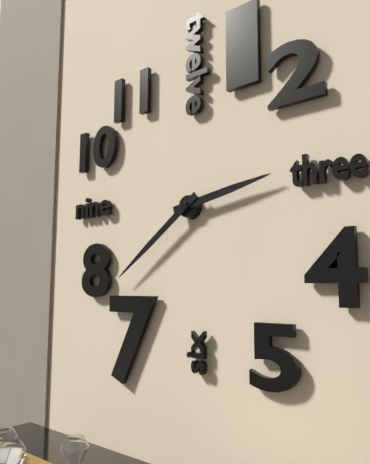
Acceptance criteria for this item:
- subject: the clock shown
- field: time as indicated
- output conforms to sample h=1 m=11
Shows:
h=2 m=39
